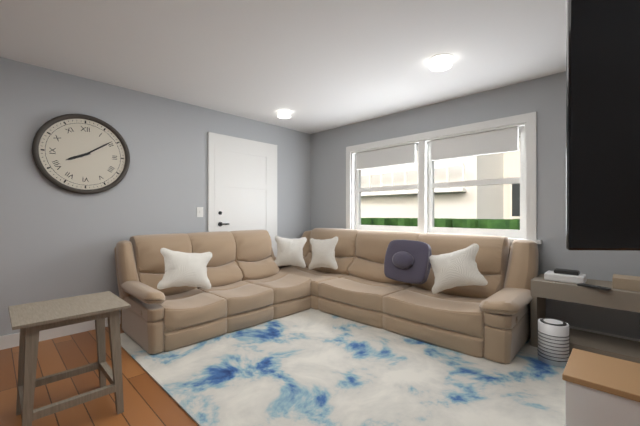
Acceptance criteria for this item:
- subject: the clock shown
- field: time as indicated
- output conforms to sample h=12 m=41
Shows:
h=8 m=9
